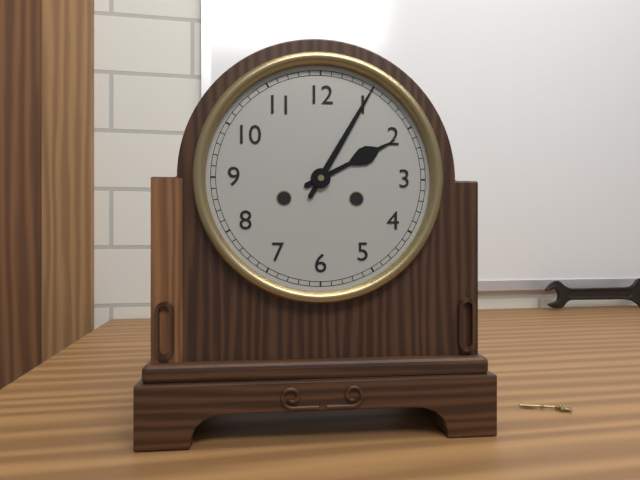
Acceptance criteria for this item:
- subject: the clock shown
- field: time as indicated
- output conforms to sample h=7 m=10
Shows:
h=2 m=5
